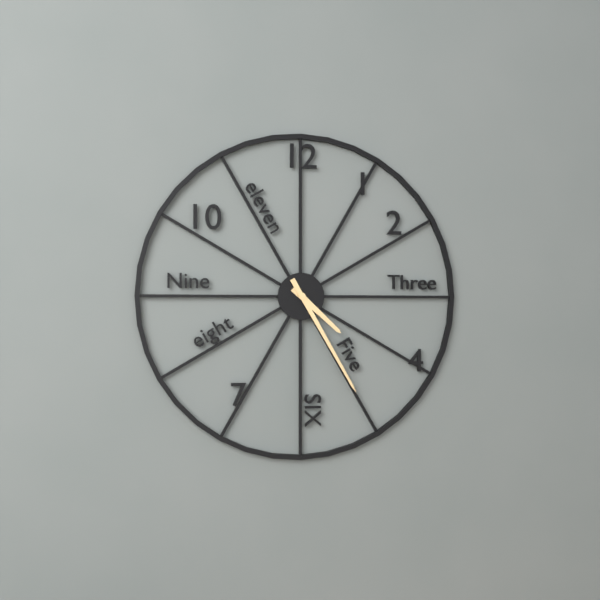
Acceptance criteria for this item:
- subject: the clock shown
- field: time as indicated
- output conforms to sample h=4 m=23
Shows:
h=4 m=25
